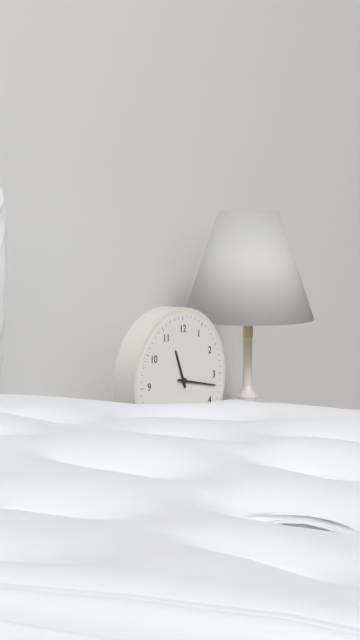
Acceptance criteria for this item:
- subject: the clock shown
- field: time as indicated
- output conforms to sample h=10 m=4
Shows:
h=11 m=17
